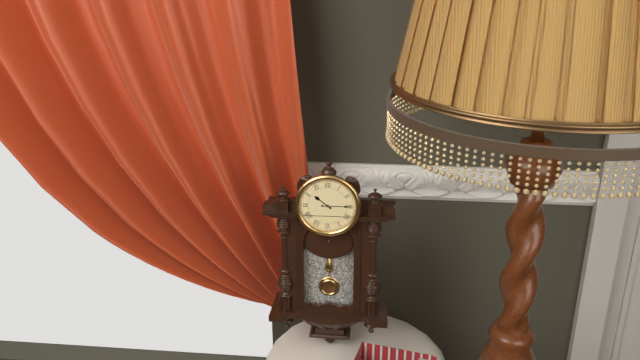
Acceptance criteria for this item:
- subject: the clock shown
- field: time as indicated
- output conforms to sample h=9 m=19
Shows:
h=10 m=15
